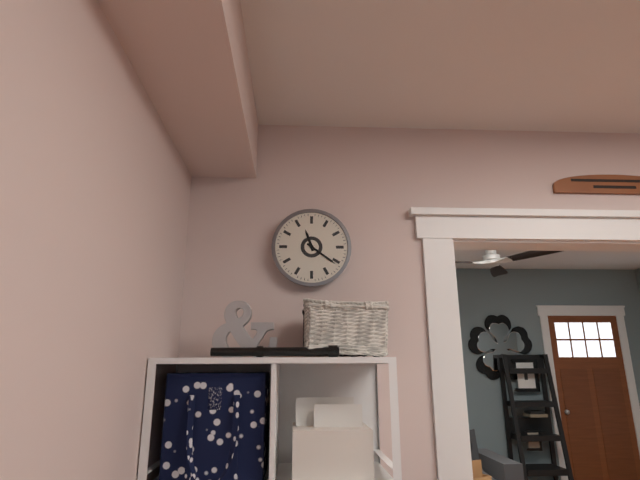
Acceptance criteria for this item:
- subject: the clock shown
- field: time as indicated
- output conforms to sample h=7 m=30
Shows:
h=11 m=21
